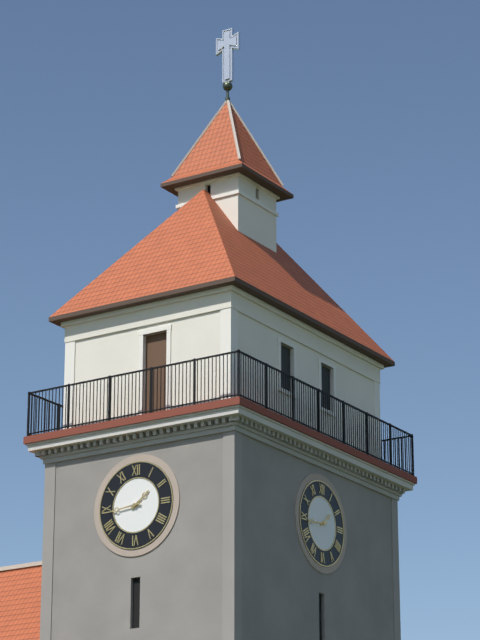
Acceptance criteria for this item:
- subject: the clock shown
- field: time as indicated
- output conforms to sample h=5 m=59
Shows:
h=1 m=44
